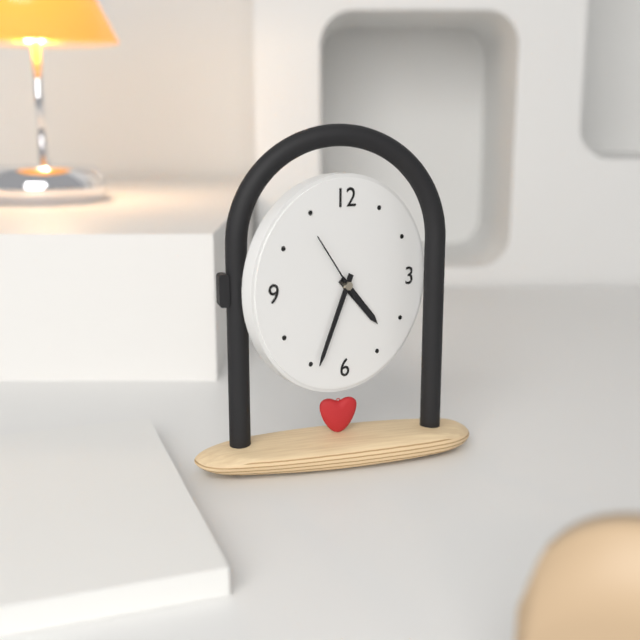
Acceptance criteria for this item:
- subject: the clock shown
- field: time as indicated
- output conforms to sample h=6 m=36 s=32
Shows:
h=4 m=34 s=54
